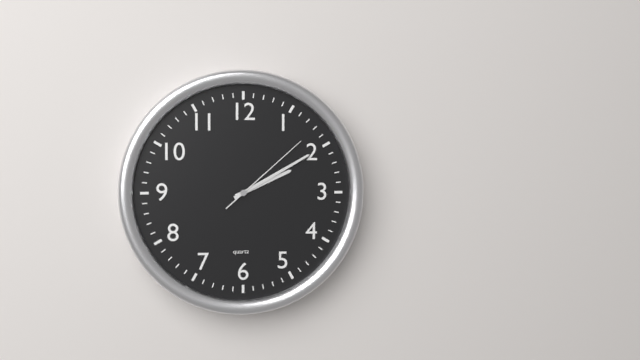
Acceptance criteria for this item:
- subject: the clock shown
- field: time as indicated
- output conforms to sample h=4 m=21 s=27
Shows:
h=2 m=10 s=8
